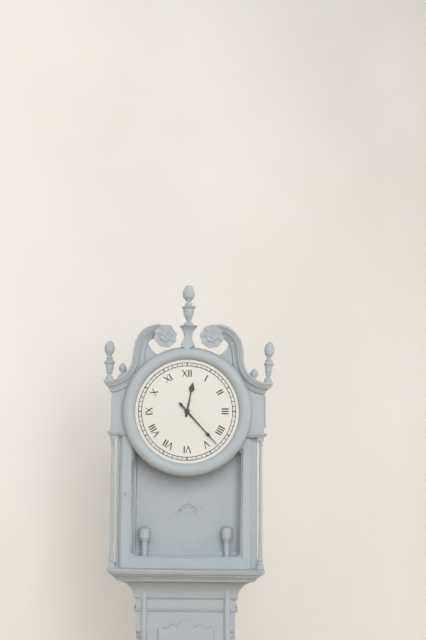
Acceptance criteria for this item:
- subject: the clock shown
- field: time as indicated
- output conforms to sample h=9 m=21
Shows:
h=12 m=23
